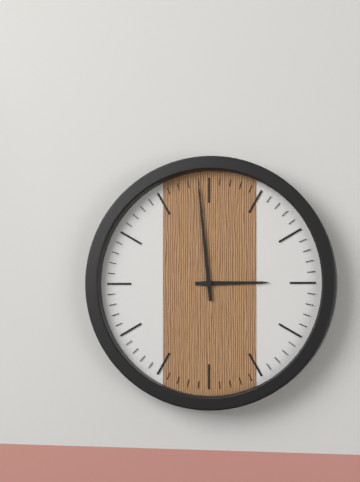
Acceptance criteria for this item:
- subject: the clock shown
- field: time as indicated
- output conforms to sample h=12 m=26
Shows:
h=2 m=59
